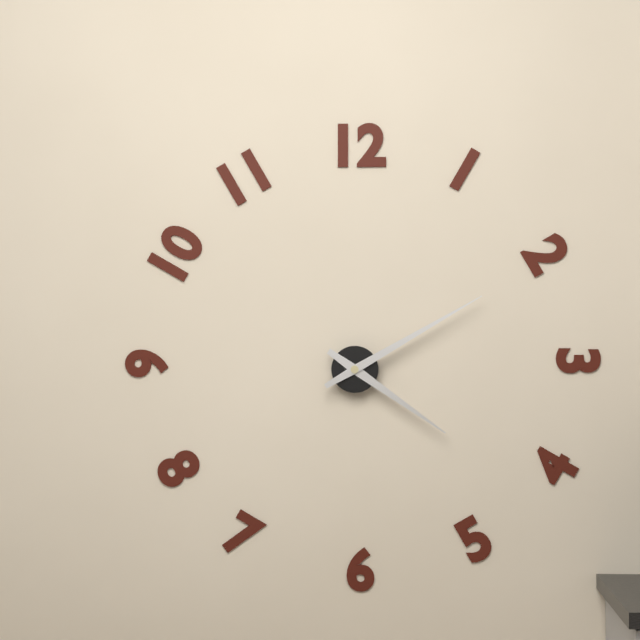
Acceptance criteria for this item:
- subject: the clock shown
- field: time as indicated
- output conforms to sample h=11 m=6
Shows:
h=4 m=10
